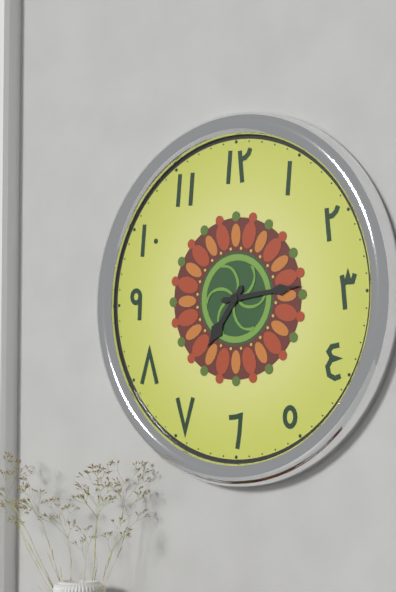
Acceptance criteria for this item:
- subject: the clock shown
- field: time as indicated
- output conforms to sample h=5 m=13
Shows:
h=7 m=14
